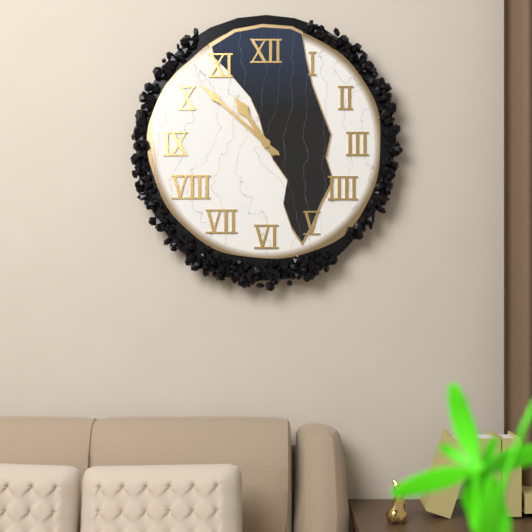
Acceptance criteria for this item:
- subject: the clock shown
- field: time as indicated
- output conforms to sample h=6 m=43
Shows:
h=10 m=52
